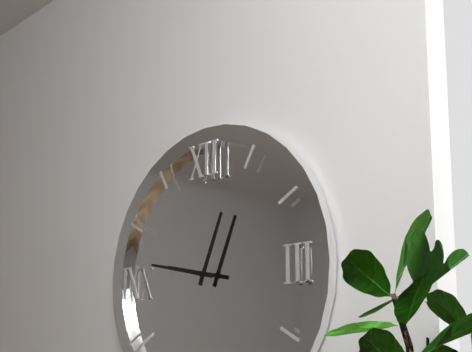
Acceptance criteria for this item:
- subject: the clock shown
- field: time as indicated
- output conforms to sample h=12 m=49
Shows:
h=12 m=47
